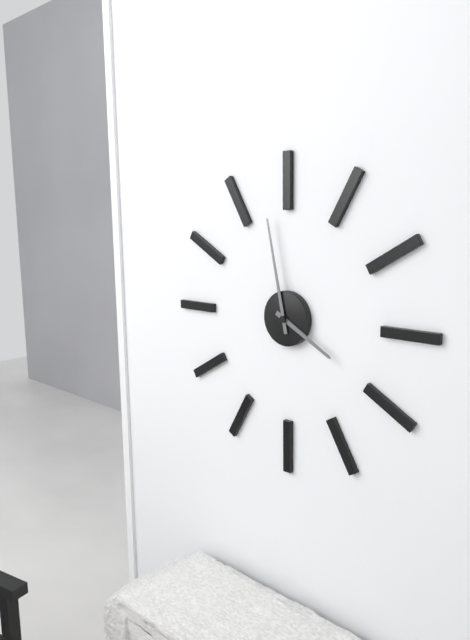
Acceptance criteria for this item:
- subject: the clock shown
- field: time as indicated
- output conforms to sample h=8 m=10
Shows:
h=3 m=58
